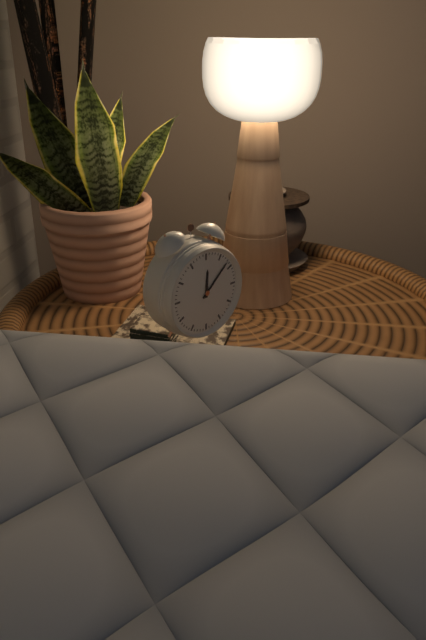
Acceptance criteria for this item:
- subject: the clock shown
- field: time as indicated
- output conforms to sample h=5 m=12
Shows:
h=12 m=8
